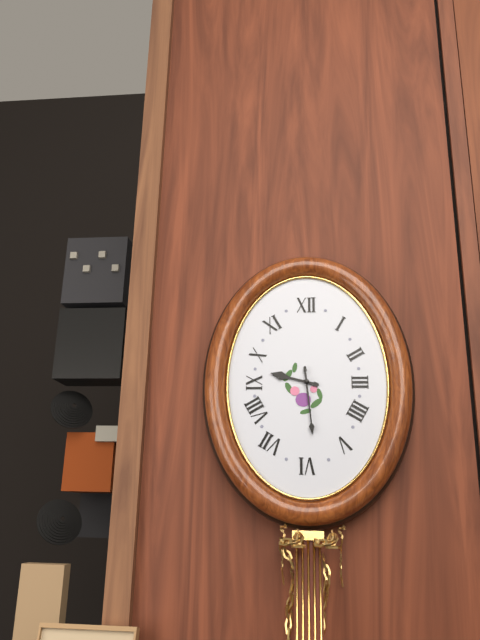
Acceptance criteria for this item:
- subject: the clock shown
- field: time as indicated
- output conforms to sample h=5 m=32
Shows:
h=9 m=29
